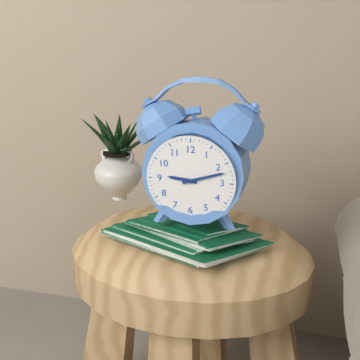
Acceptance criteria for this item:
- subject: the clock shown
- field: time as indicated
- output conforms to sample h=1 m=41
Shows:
h=9 m=12
